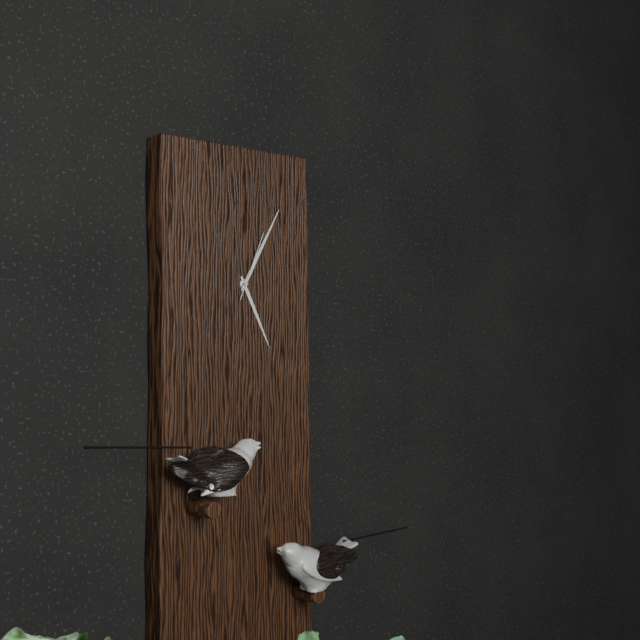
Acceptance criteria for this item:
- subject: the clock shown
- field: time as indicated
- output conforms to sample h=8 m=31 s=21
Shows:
h=5 m=5 s=4
